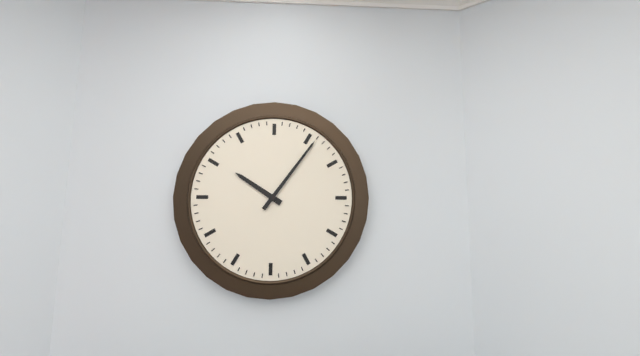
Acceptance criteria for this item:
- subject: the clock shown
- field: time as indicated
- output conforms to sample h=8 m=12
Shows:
h=10 m=6
